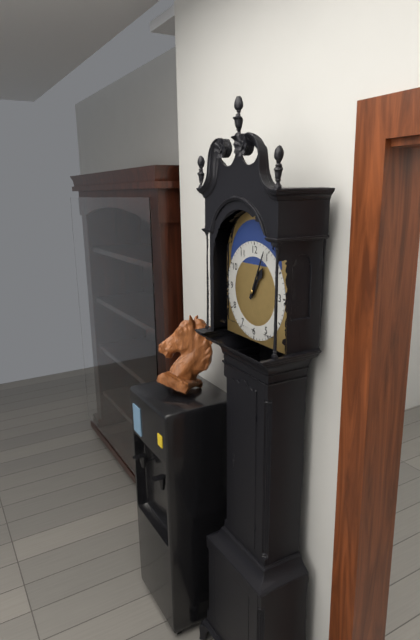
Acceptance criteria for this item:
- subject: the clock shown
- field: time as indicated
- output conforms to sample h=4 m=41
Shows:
h=1 m=4
